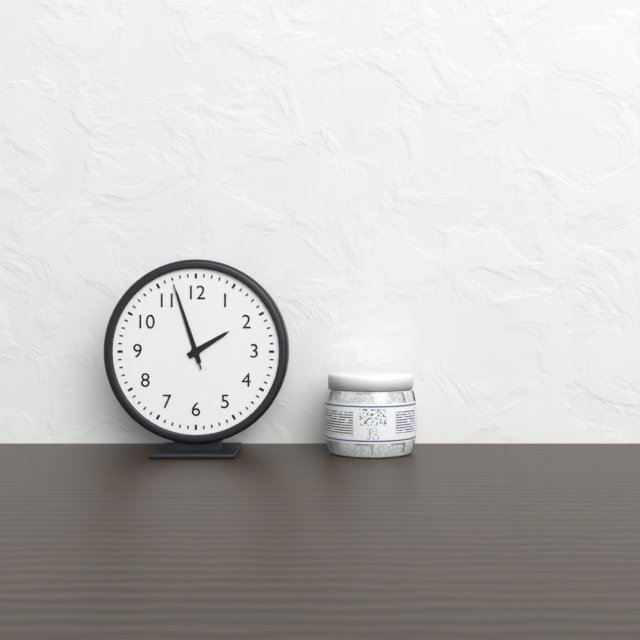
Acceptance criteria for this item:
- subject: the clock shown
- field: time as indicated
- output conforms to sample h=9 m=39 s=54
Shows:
h=1 m=57 s=57
